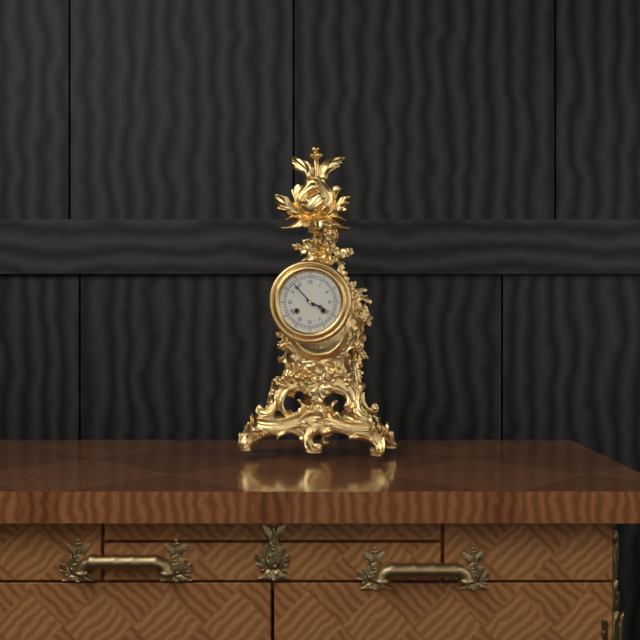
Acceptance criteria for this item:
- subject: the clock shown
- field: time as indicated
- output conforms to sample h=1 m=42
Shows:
h=3 m=53
